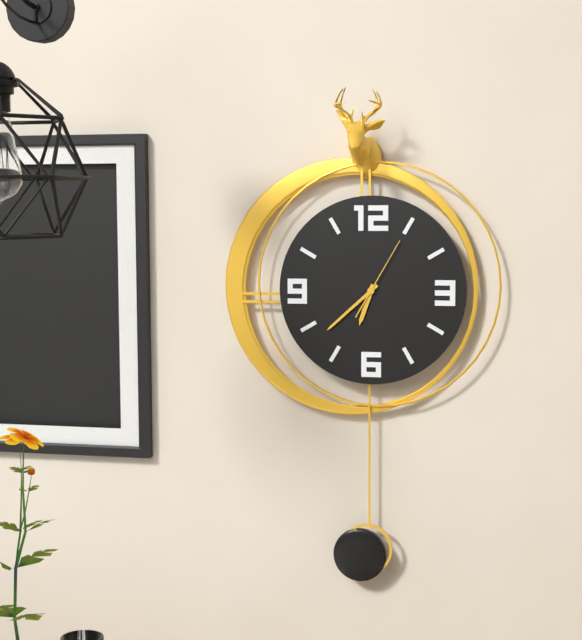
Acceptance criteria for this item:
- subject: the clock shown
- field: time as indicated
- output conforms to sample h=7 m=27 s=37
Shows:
h=6 m=38 s=5
